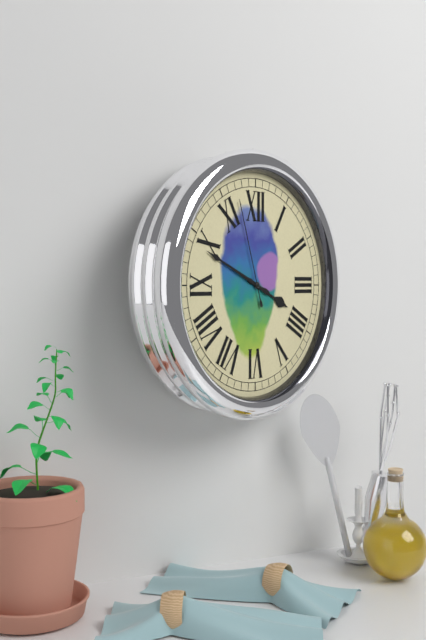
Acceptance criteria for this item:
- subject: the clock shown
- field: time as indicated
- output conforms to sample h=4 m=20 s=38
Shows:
h=3 m=49 s=57
